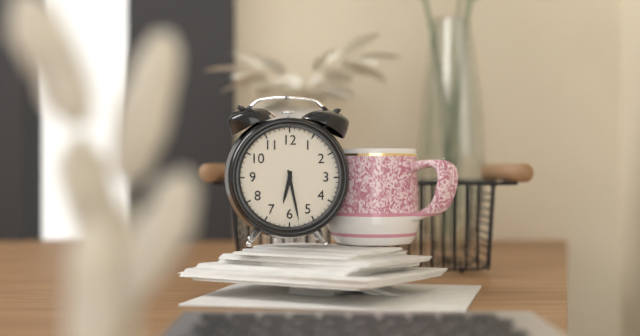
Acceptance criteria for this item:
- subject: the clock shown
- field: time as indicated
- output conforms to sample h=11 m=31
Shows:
h=6 m=28
